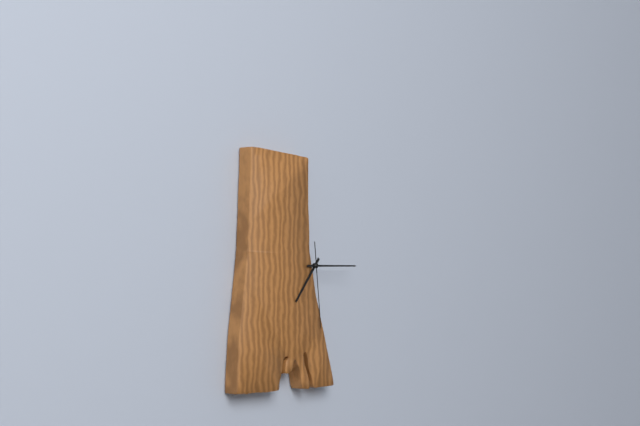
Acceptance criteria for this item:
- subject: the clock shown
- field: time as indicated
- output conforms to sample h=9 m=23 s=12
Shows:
h=7 m=15 s=29
